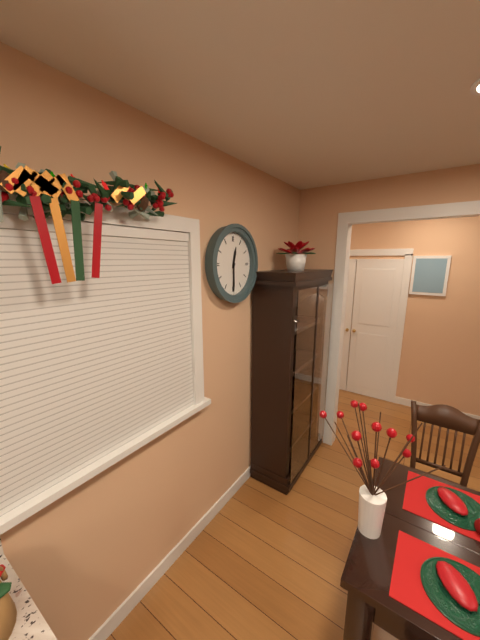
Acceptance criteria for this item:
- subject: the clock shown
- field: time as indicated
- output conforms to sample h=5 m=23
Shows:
h=12 m=30
